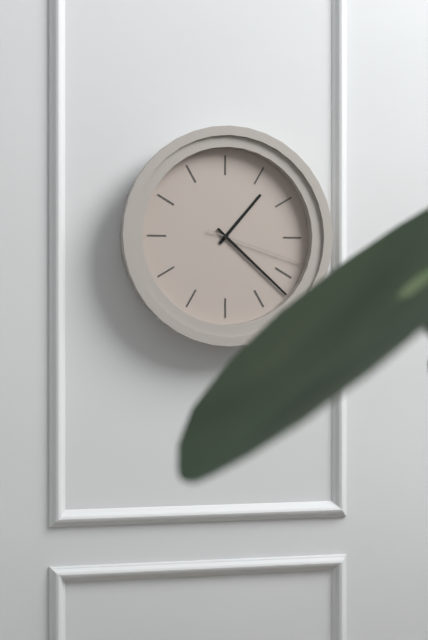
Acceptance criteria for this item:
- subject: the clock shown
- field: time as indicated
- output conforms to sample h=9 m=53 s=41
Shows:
h=1 m=22 s=18
